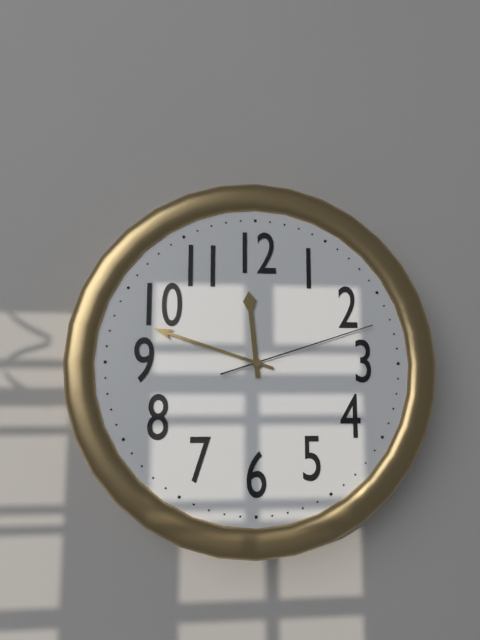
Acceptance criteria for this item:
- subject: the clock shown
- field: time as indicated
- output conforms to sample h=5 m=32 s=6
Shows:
h=11 m=48 s=12
